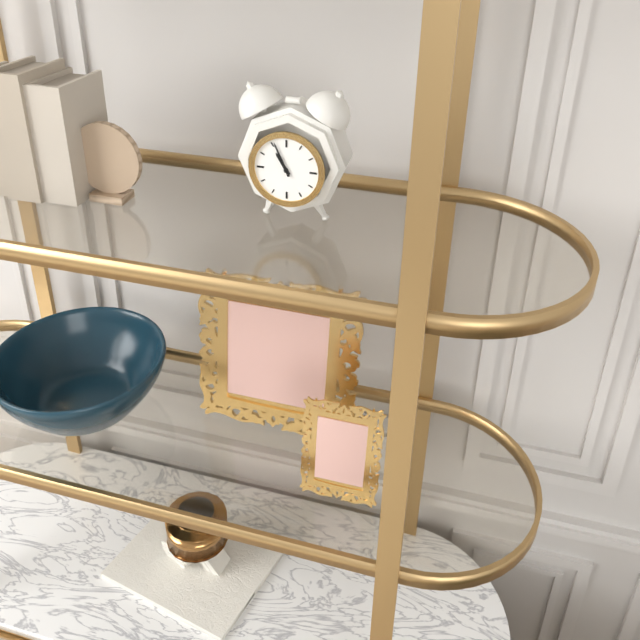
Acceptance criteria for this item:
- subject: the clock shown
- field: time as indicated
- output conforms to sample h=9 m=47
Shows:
h=10 m=56
